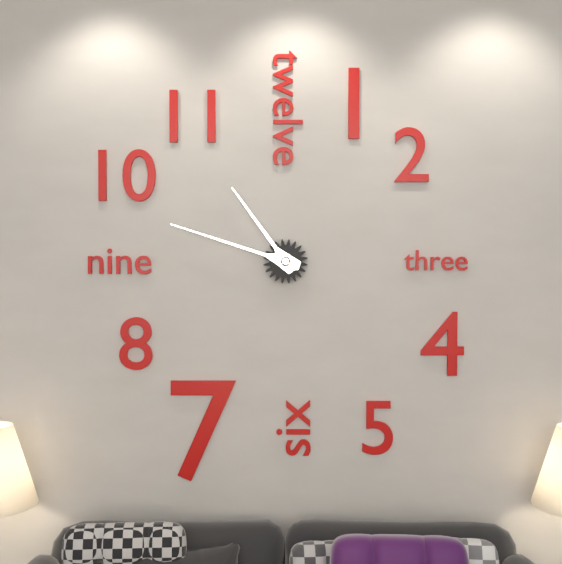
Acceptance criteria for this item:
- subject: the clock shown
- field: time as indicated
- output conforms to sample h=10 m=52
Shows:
h=10 m=48
